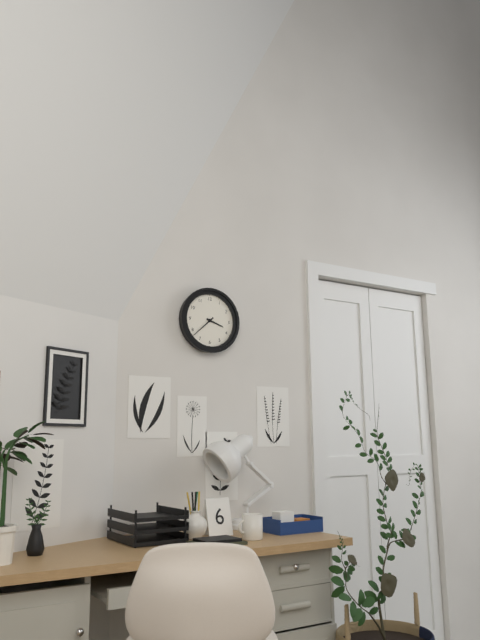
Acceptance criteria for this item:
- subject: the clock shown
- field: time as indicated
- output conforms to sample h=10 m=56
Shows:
h=3 m=38
